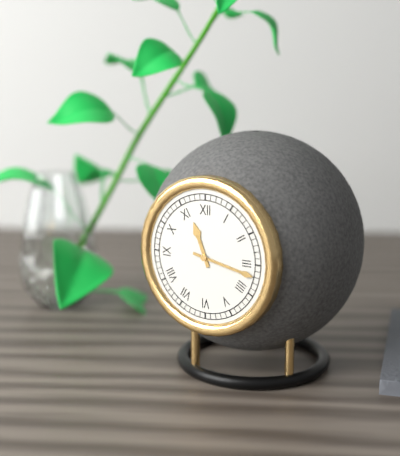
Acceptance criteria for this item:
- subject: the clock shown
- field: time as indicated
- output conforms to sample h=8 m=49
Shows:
h=11 m=17
